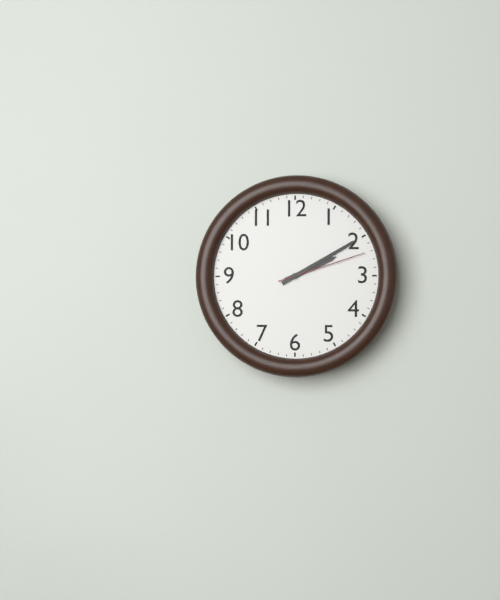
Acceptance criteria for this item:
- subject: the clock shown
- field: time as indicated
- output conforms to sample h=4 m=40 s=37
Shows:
h=2 m=10 s=12
